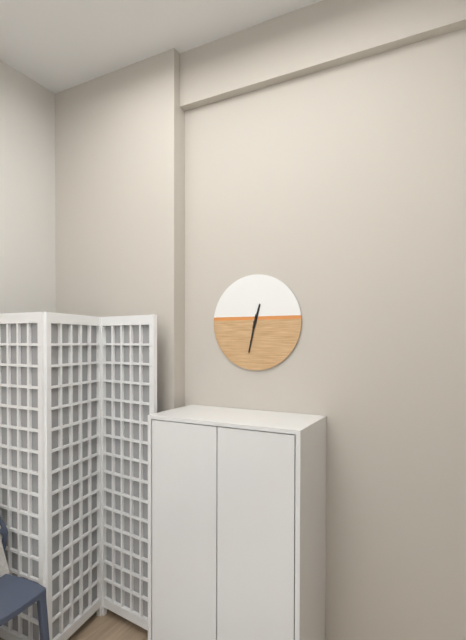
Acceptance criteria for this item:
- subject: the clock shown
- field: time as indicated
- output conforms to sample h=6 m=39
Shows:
h=12 m=32
